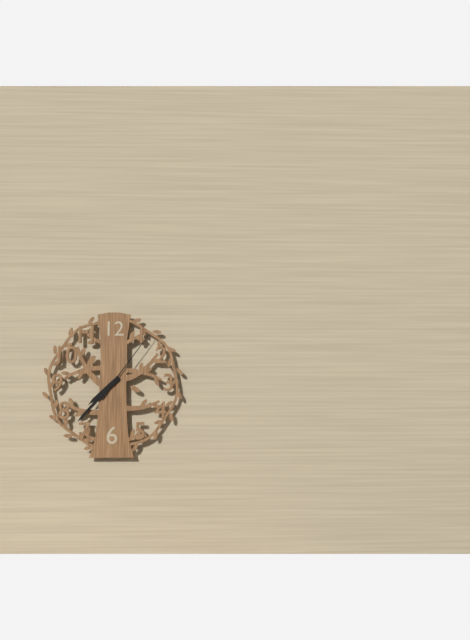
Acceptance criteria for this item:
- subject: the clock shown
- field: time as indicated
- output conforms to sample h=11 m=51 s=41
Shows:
h=7 m=37 s=6
